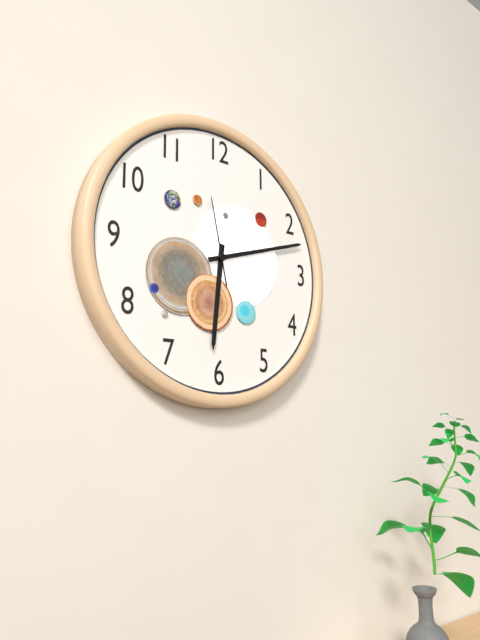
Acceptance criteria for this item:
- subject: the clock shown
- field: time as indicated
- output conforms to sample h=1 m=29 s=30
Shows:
h=6 m=12 s=58
